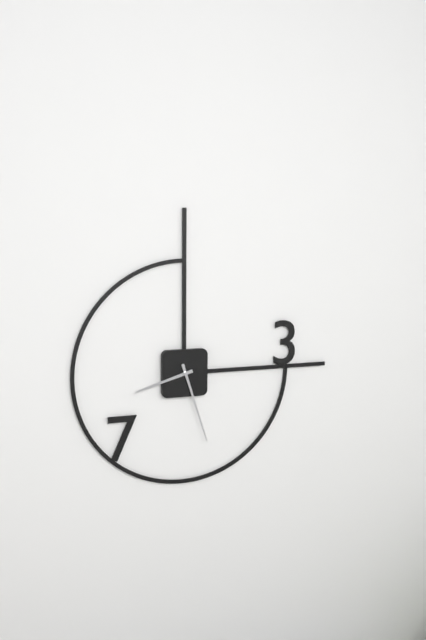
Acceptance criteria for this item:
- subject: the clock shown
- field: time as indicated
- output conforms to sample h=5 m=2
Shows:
h=8 m=27
